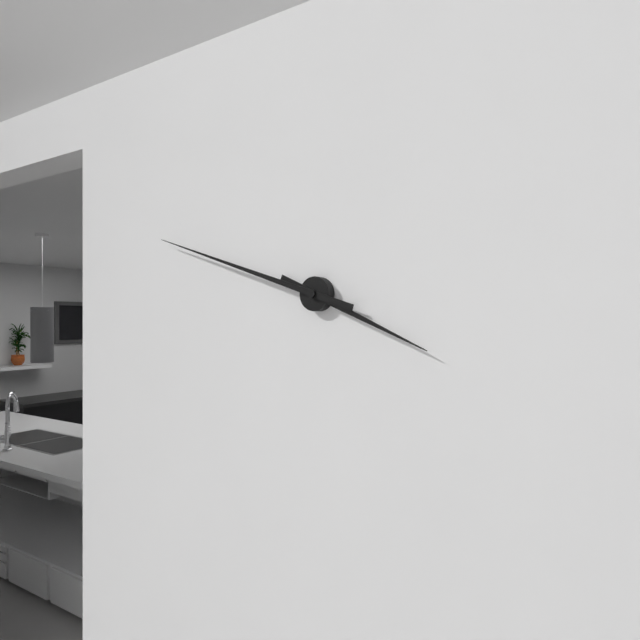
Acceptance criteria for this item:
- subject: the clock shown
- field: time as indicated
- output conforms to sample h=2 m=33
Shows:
h=3 m=48
